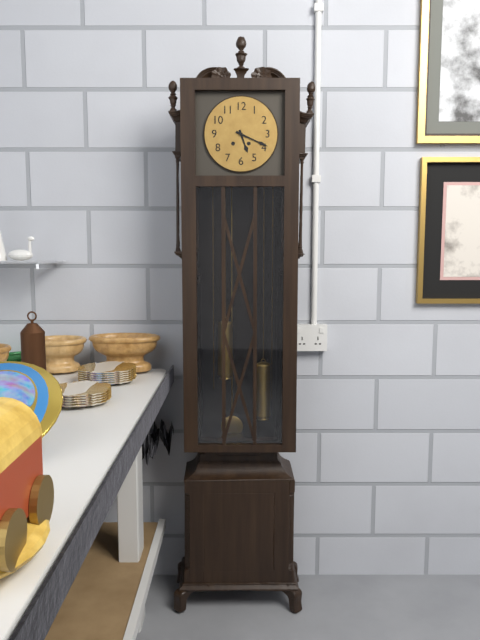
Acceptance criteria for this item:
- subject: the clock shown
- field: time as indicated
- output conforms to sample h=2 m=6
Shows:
h=5 m=19
